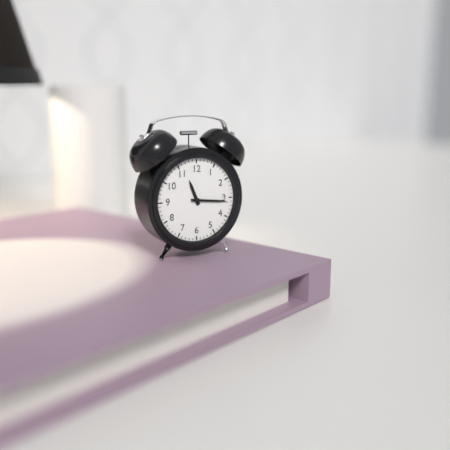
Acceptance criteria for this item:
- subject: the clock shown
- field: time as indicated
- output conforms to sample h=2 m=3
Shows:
h=11 m=16
